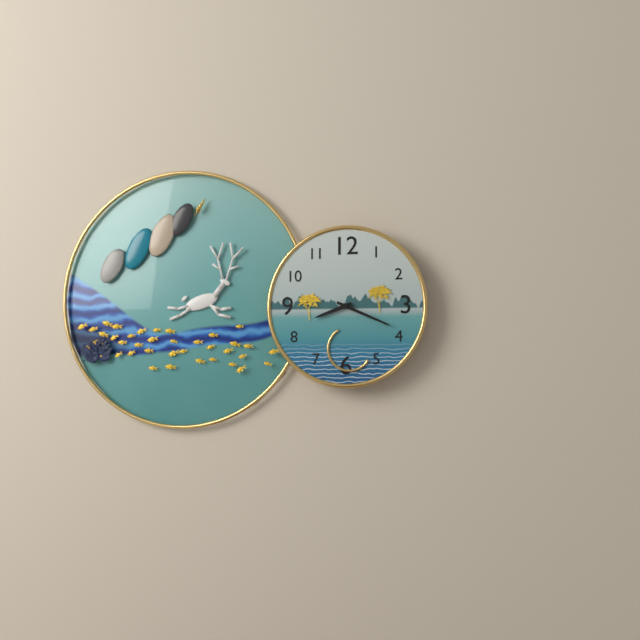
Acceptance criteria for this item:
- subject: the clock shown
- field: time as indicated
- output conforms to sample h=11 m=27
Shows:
h=8 m=19
